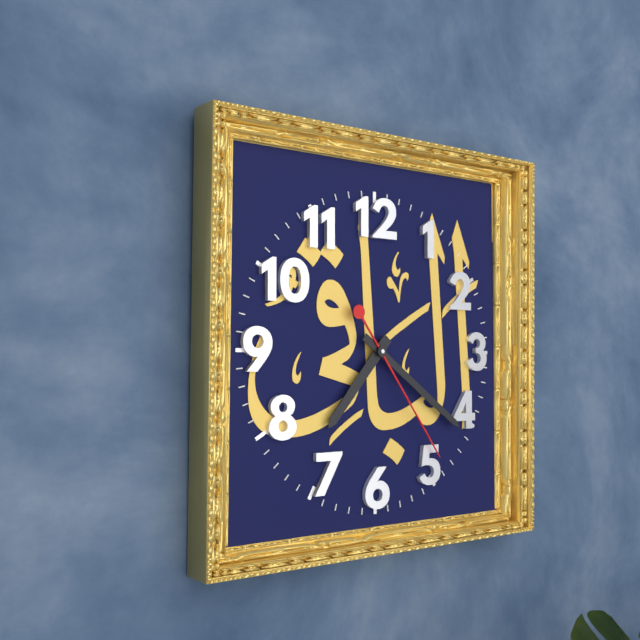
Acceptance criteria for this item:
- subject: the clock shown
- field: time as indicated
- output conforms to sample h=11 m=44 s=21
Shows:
h=7 m=21 s=24
